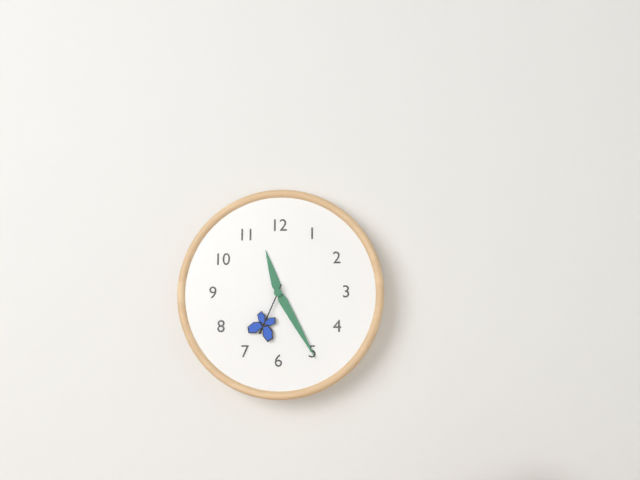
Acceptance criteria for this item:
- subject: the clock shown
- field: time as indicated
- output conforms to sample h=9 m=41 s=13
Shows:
h=11 m=25 s=34
